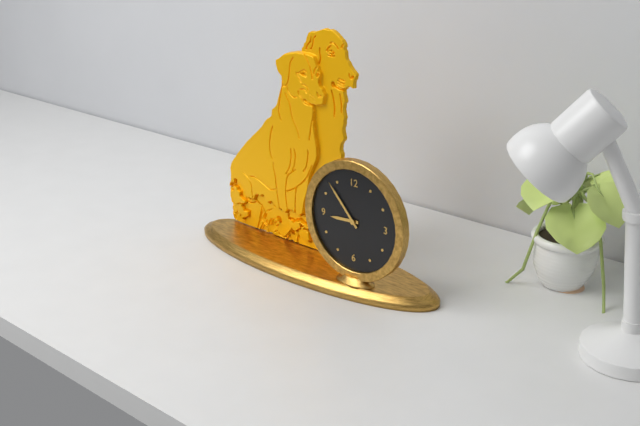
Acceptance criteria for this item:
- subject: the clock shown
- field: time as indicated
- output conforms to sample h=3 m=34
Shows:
h=8 m=53
